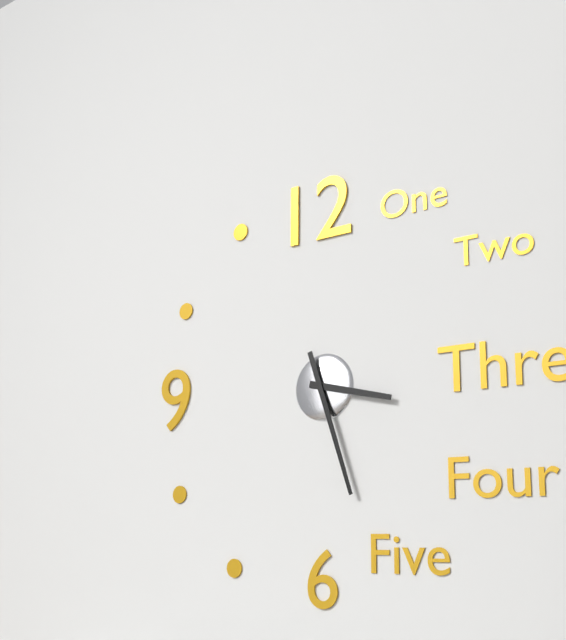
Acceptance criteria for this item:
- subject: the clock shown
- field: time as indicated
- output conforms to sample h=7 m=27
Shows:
h=3 m=27
